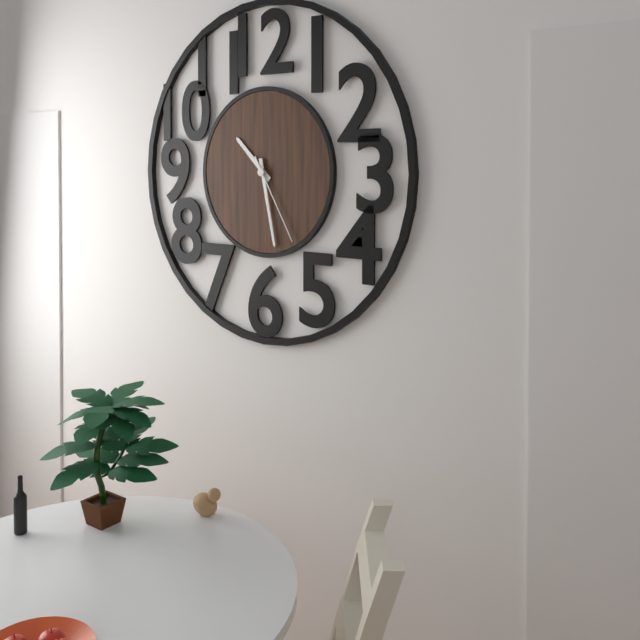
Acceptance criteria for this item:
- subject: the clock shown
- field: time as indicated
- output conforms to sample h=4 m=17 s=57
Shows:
h=10 m=28 s=25
